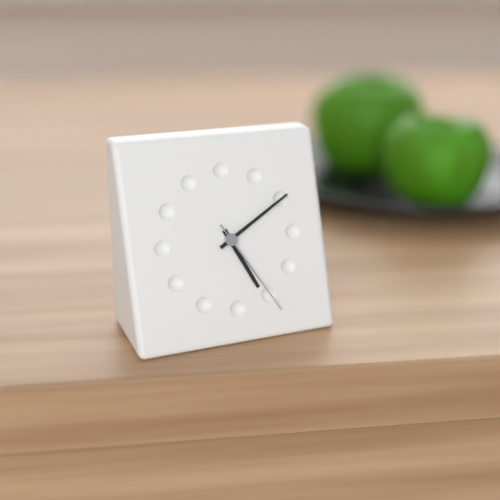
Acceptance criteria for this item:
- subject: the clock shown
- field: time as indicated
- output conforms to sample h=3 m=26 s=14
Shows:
h=5 m=10 s=25
